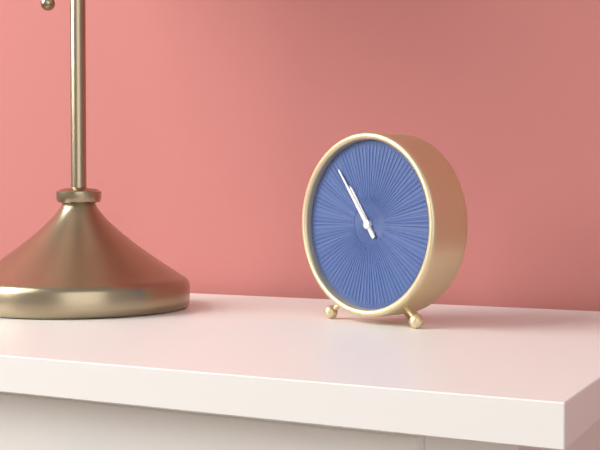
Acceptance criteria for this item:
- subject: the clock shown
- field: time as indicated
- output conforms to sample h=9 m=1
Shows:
h=10 m=54
